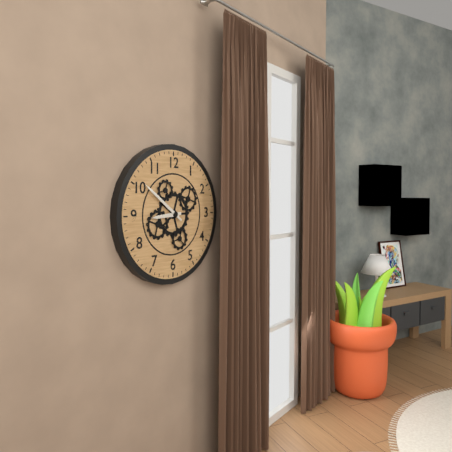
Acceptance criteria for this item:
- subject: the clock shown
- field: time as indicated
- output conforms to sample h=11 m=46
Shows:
h=8 m=51
